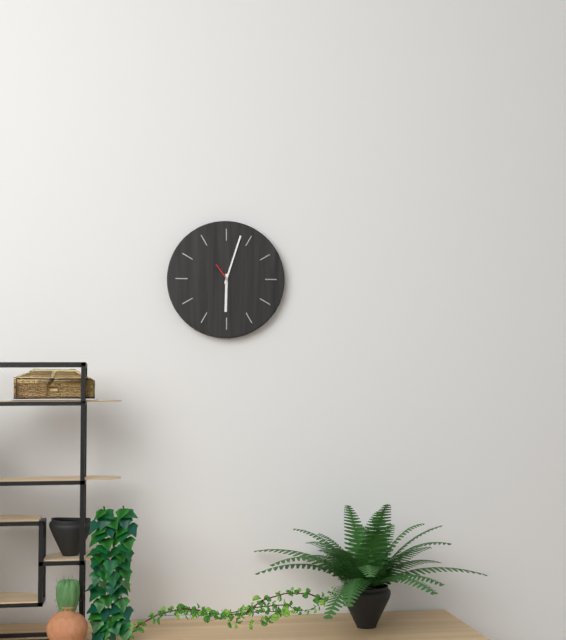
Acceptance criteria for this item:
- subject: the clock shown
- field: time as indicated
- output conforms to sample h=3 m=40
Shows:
h=6 m=3
